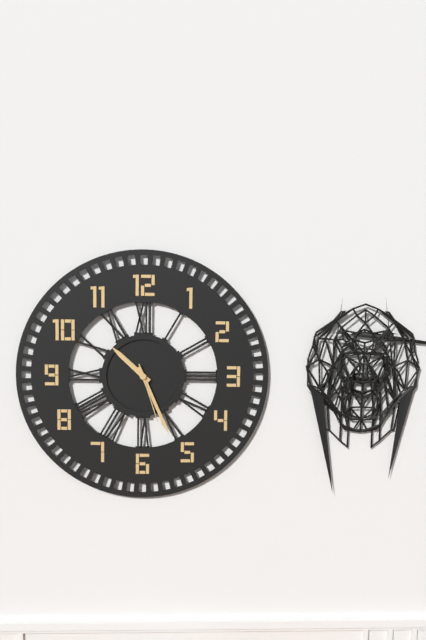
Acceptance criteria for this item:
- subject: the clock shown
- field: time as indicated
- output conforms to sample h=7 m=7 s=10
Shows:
h=10 m=26 s=27
